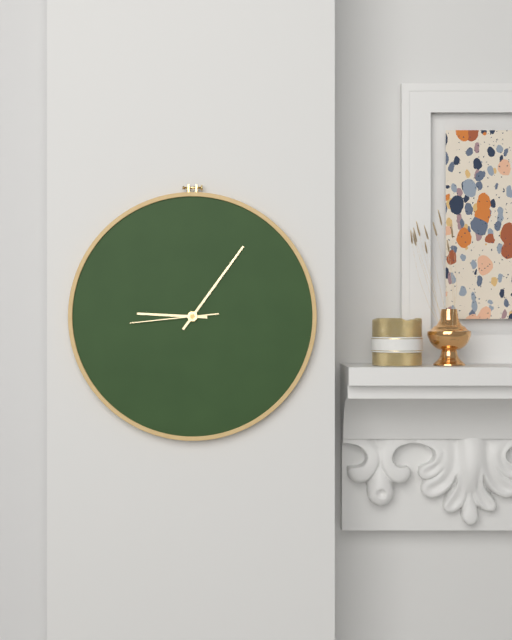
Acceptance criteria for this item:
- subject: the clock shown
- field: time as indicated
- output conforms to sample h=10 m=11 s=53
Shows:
h=9 m=6 s=44
